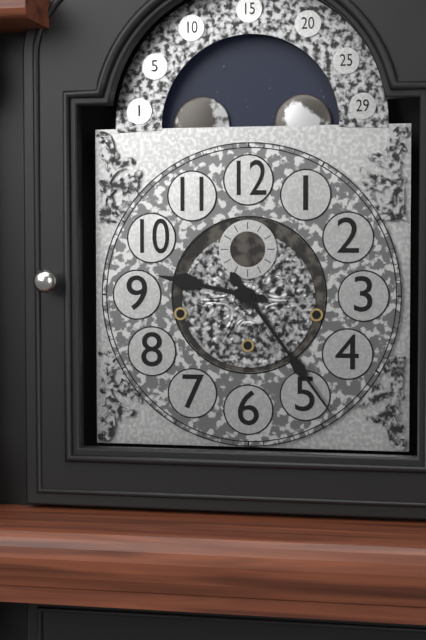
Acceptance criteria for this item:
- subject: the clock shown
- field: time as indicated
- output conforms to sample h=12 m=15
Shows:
h=9 m=24
